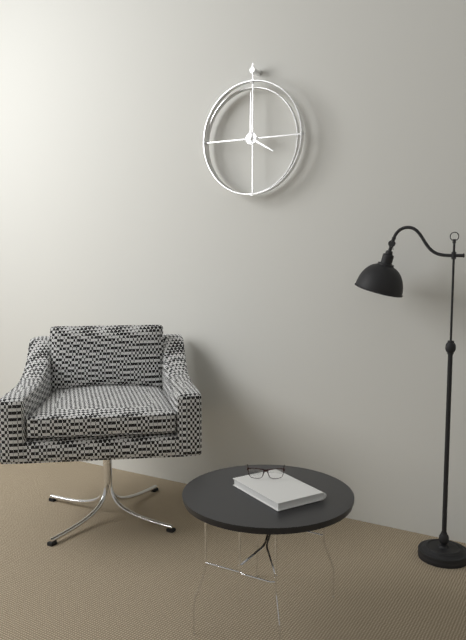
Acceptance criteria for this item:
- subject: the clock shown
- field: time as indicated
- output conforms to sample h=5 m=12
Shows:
h=4 m=0
